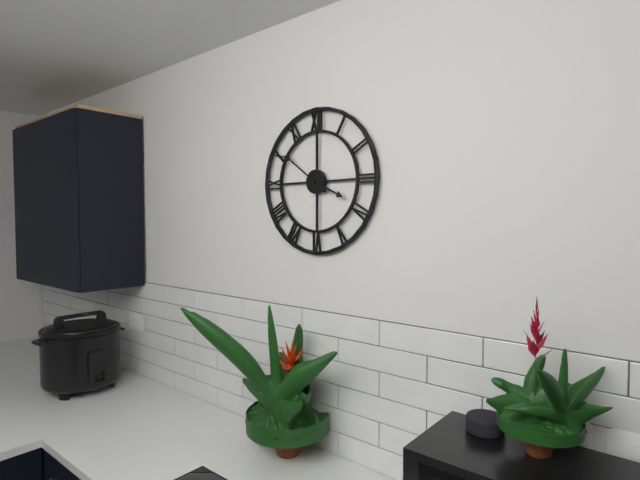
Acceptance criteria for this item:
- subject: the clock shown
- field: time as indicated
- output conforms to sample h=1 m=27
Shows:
h=3 m=51
